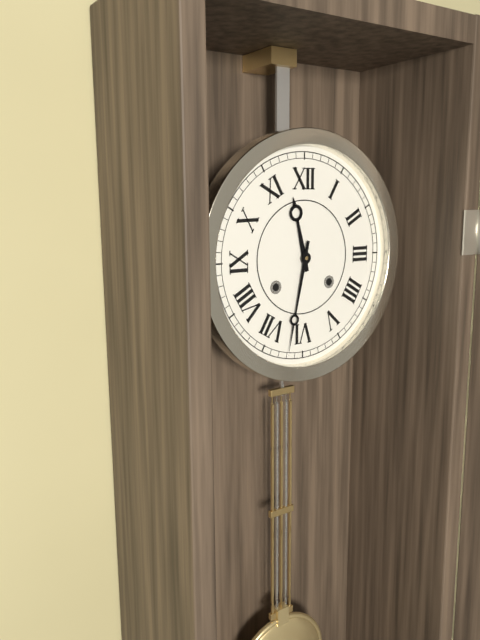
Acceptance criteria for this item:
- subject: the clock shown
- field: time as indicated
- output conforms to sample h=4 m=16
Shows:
h=11 m=32
